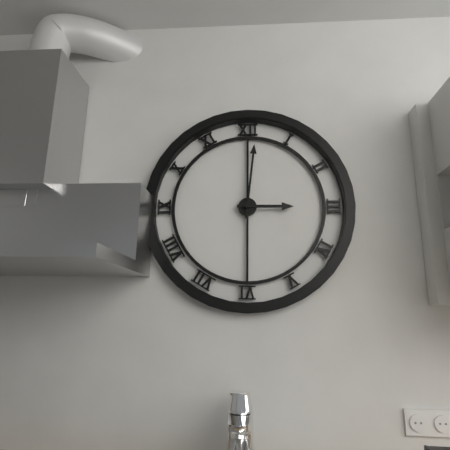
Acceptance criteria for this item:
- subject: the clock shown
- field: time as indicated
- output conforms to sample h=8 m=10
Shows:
h=3 m=1
